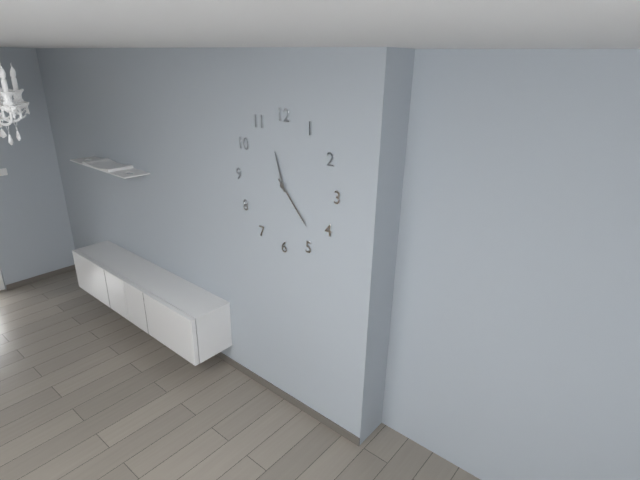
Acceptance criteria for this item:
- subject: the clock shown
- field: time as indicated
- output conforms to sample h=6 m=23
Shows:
h=11 m=23
